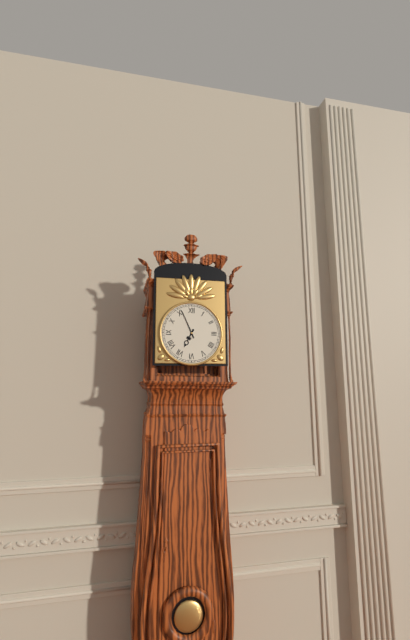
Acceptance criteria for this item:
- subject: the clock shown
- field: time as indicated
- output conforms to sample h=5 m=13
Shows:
h=6 m=56
